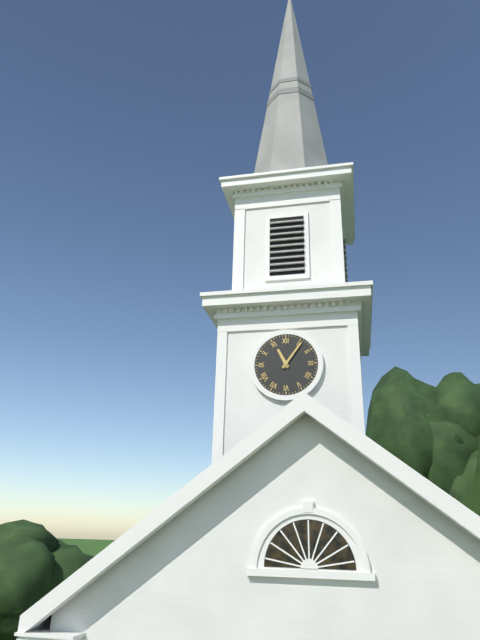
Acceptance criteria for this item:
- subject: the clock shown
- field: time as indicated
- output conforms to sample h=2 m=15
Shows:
h=11 m=6
